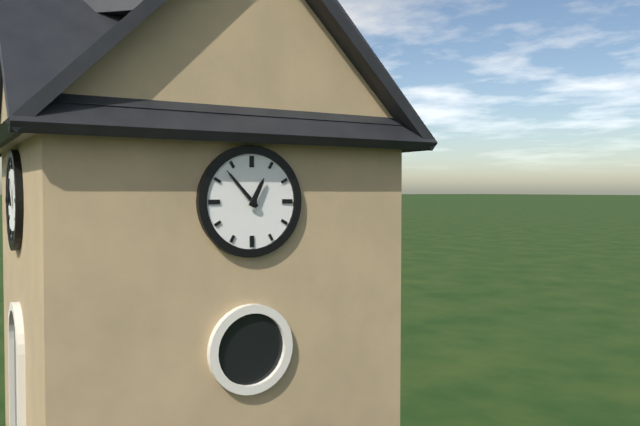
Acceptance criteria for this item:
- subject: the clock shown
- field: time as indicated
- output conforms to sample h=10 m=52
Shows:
h=12 m=53
